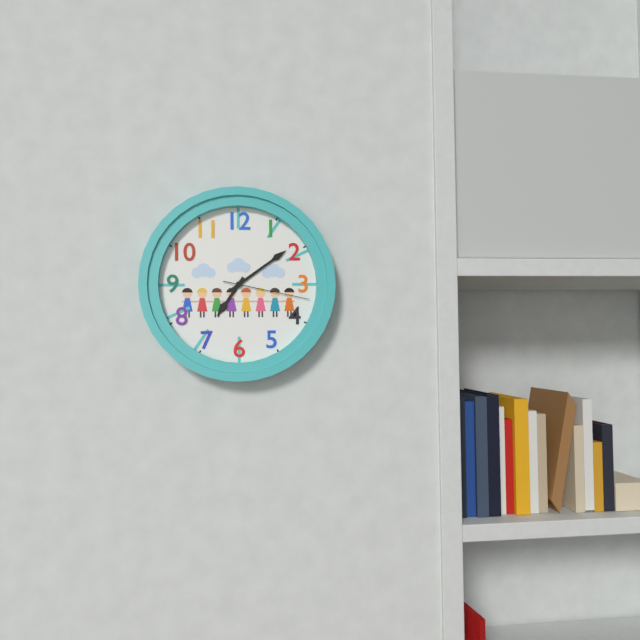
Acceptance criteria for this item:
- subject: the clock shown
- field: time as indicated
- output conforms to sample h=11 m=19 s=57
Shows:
h=7 m=9 s=17
